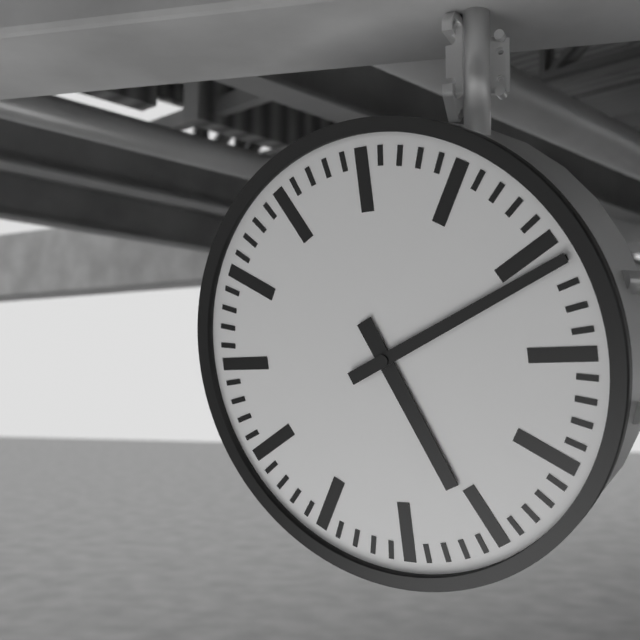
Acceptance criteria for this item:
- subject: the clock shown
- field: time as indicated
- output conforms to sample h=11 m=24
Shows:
h=5 m=11
